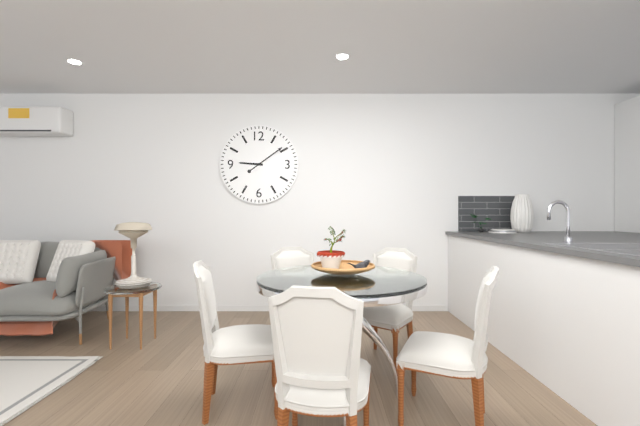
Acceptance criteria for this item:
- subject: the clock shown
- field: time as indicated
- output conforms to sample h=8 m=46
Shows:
h=9 m=9
